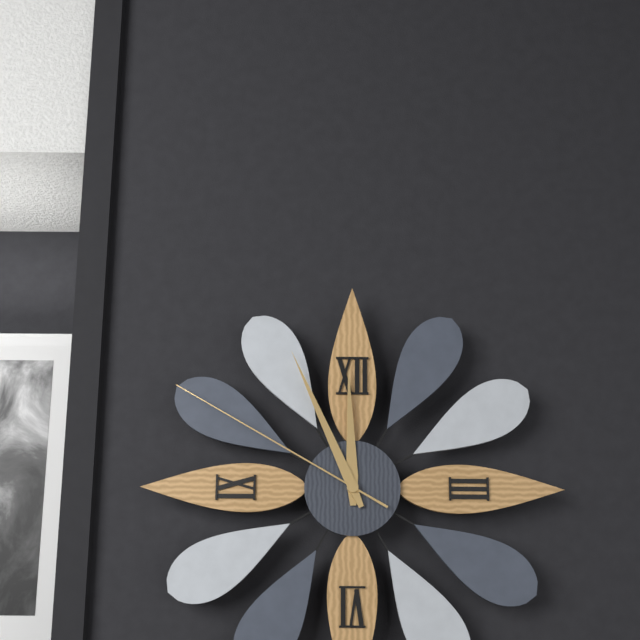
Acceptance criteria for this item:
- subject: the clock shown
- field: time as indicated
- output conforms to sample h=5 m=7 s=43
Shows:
h=11 m=56 s=50
